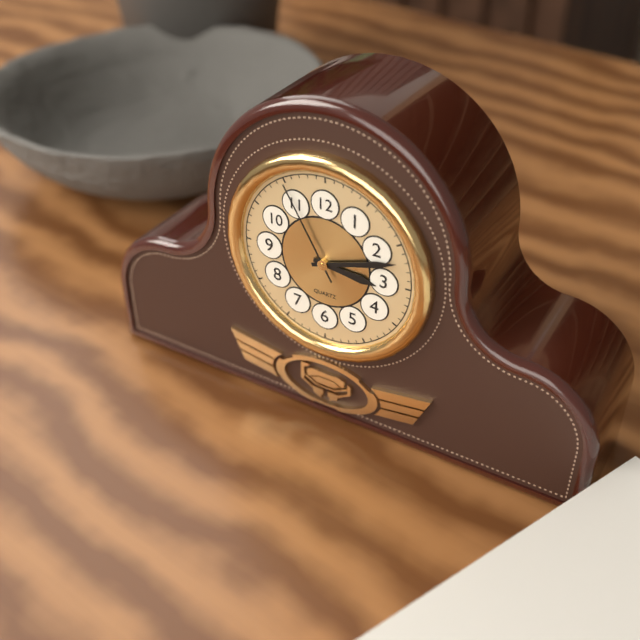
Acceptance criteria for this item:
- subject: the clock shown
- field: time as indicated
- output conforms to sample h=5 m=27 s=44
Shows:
h=3 m=12 s=55
